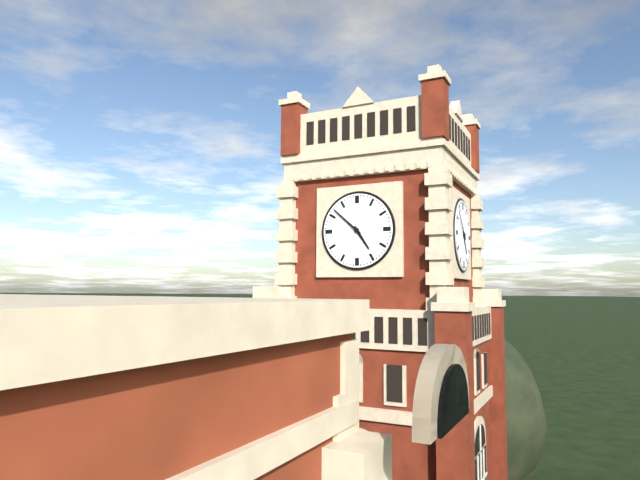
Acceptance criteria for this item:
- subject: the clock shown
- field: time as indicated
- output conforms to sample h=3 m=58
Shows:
h=4 m=52
